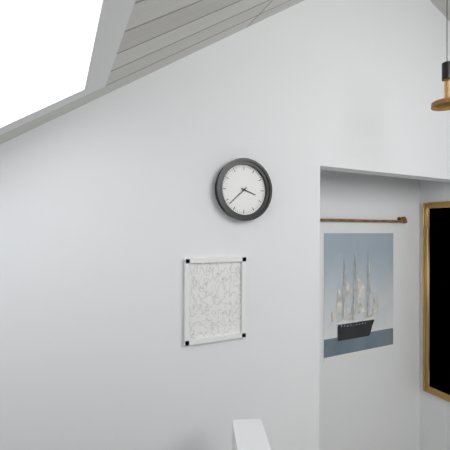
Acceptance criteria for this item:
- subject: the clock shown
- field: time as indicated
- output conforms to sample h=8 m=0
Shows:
h=3 m=38
